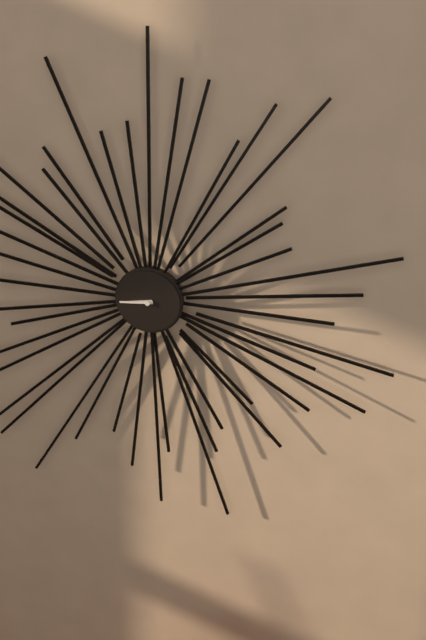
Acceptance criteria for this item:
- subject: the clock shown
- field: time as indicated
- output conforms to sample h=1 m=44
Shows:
h=8 m=44
